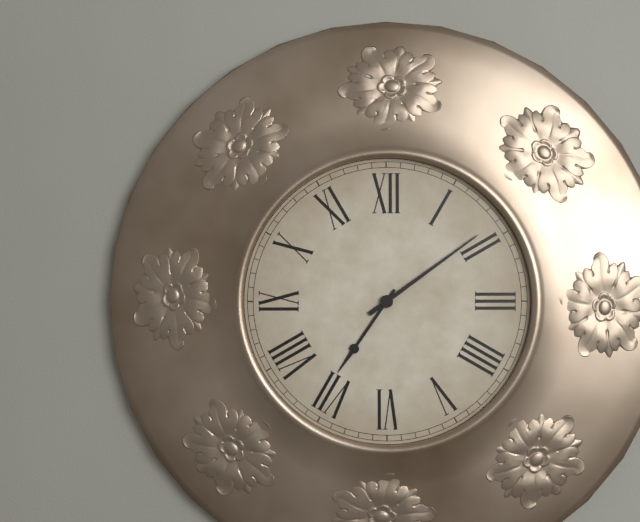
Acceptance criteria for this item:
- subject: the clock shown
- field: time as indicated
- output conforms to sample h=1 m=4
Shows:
h=7 m=9
